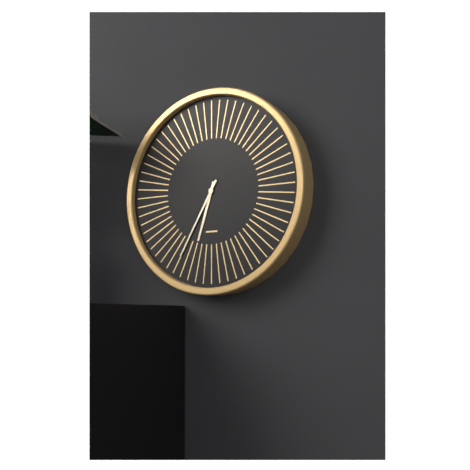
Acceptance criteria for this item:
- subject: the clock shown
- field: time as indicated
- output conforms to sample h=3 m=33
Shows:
h=6 m=35
